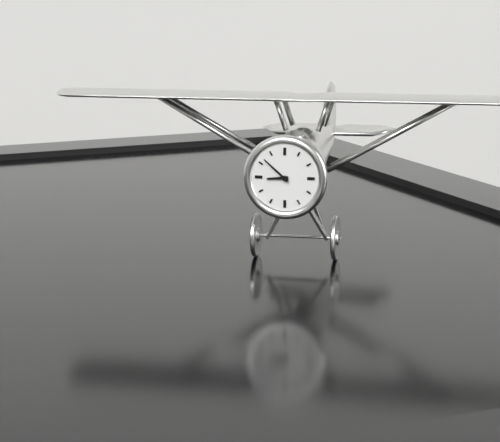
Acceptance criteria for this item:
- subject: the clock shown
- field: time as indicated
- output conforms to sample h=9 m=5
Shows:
h=8 m=52
